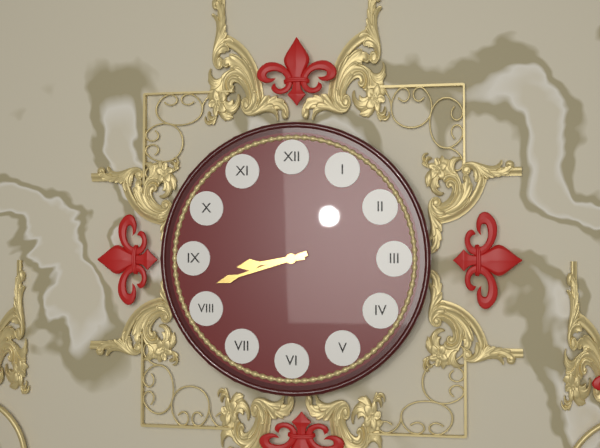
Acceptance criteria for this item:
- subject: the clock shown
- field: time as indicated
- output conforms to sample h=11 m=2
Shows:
h=8 m=42
